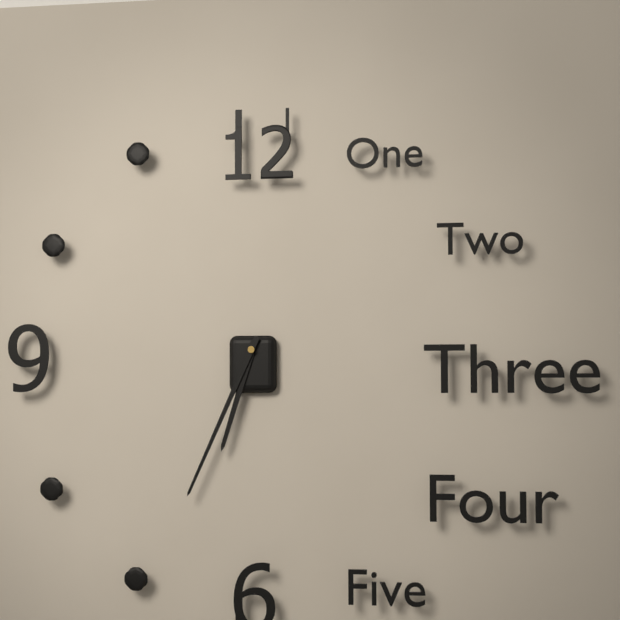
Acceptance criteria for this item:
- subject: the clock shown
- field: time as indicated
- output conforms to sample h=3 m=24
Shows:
h=6 m=34
